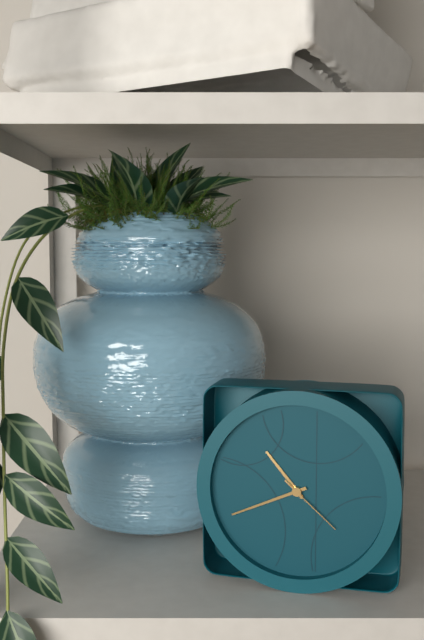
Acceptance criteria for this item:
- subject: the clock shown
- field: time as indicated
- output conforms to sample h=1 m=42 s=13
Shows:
h=10 m=41 s=22
